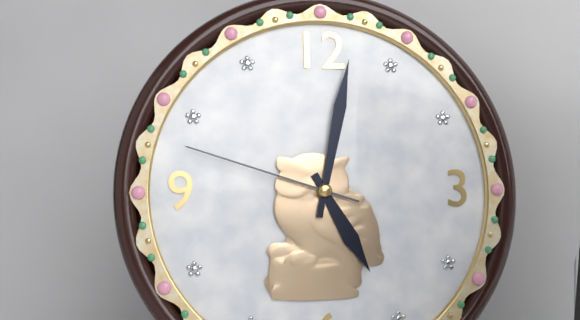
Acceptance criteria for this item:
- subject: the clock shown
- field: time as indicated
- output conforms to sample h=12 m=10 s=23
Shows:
h=5 m=2 s=48
